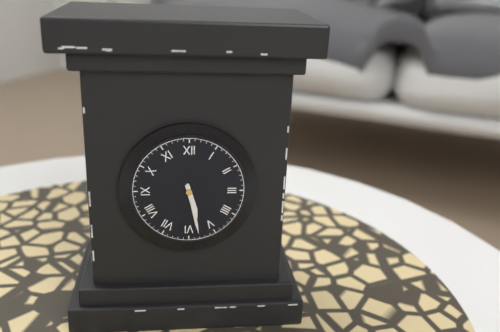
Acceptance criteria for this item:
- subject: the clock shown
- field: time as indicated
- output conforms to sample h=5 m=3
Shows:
h=5 m=28
